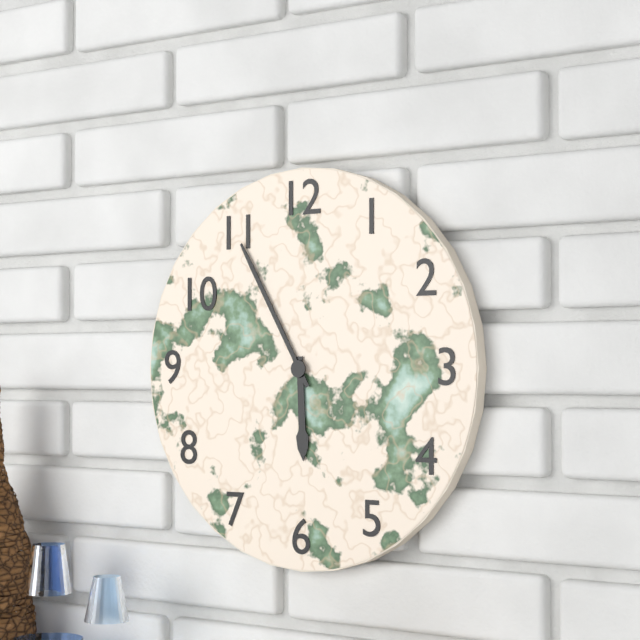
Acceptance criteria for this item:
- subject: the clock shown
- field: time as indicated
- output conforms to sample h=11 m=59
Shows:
h=5 m=55
